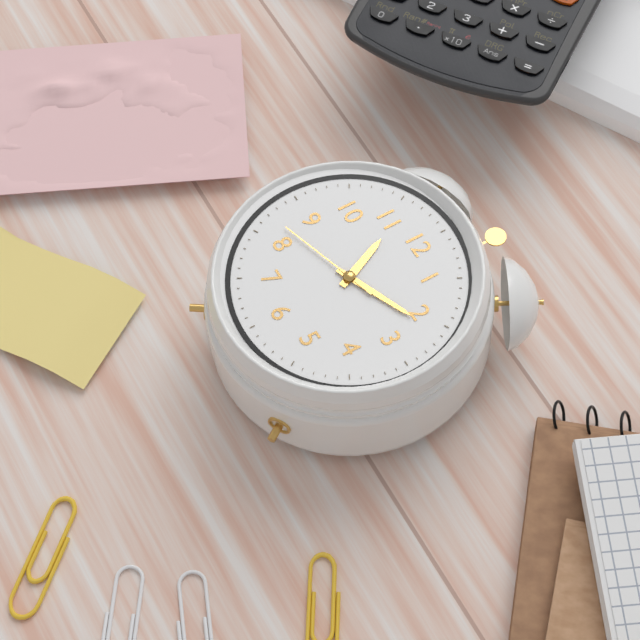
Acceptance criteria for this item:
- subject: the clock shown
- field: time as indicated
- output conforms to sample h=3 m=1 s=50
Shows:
h=11 m=11 s=42
